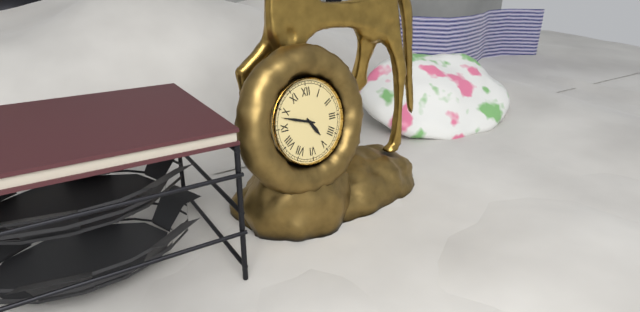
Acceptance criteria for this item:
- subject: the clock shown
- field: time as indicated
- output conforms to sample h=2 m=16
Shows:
h=4 m=48
